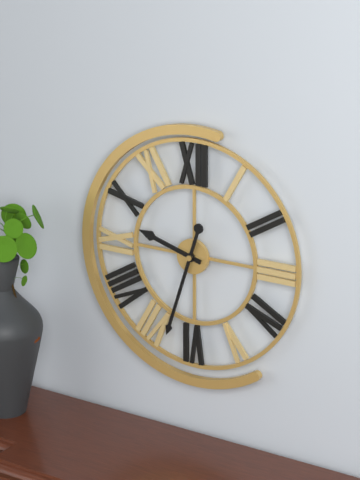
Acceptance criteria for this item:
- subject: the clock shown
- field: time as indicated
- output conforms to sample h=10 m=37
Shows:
h=9 m=33
